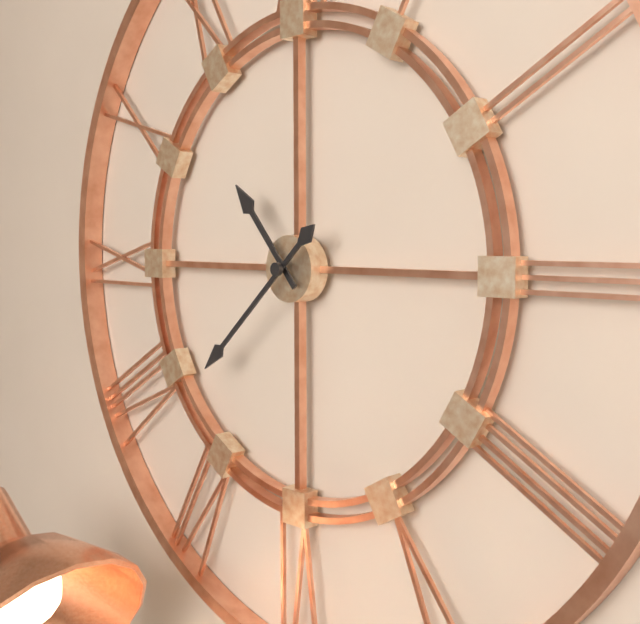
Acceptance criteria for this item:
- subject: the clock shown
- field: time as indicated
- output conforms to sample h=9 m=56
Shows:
h=10 m=38
